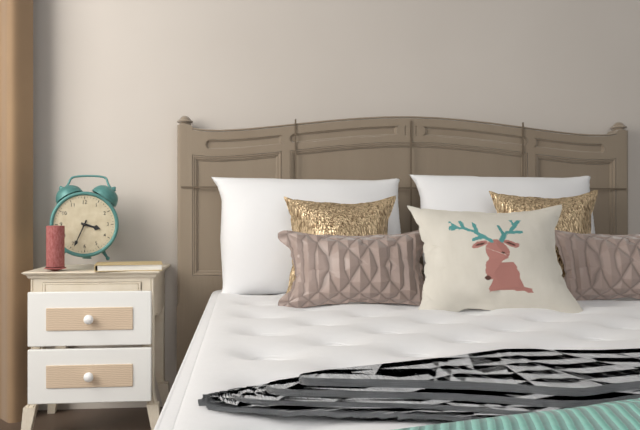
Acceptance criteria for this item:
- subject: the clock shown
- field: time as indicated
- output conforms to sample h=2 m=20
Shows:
h=3 m=34
